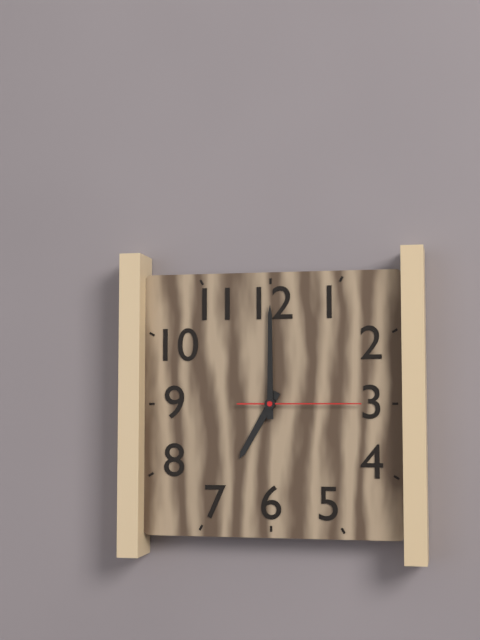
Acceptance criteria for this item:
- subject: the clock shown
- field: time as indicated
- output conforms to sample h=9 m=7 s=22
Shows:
h=7 m=0 s=15
